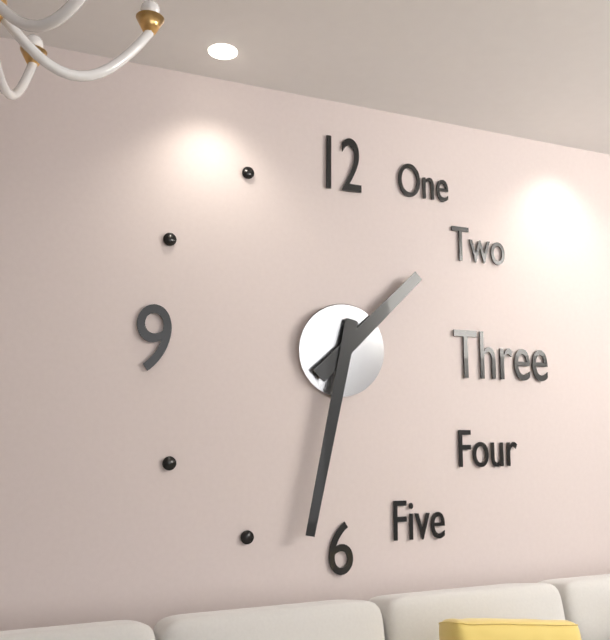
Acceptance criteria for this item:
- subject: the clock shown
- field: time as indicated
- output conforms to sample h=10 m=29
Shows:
h=1 m=32
